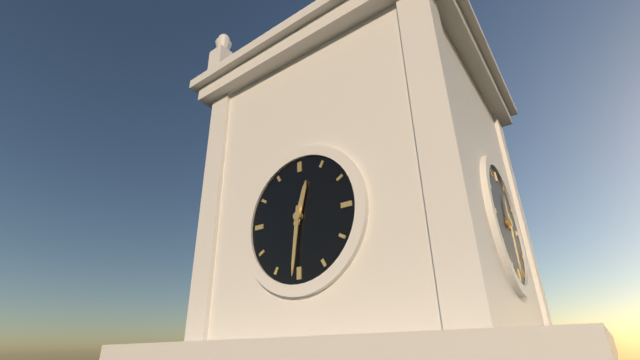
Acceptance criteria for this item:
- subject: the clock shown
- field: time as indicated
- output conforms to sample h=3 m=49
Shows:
h=12 m=31
